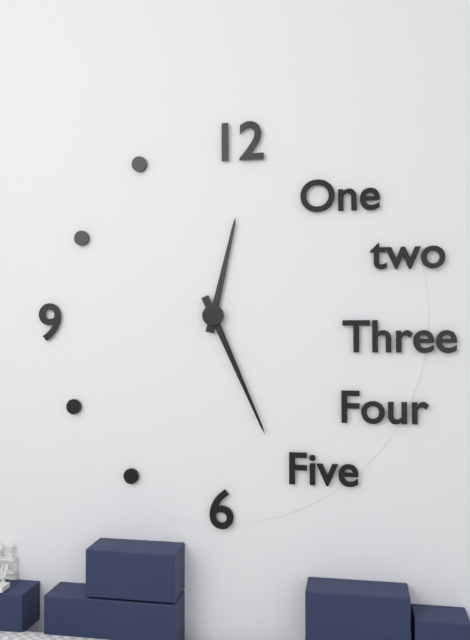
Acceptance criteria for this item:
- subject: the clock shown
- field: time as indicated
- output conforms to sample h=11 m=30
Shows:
h=12 m=26
